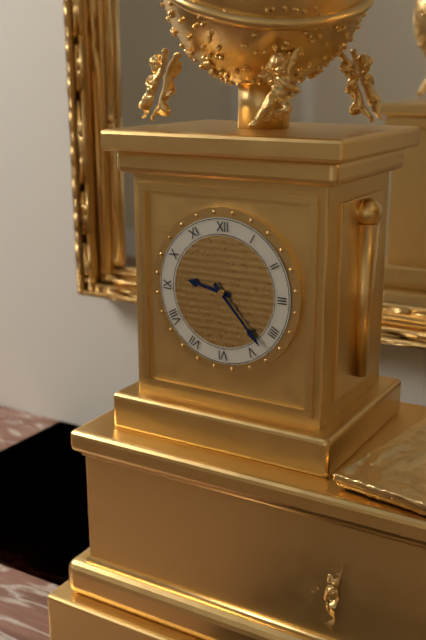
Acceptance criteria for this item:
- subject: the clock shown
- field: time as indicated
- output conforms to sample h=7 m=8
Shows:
h=9 m=23
